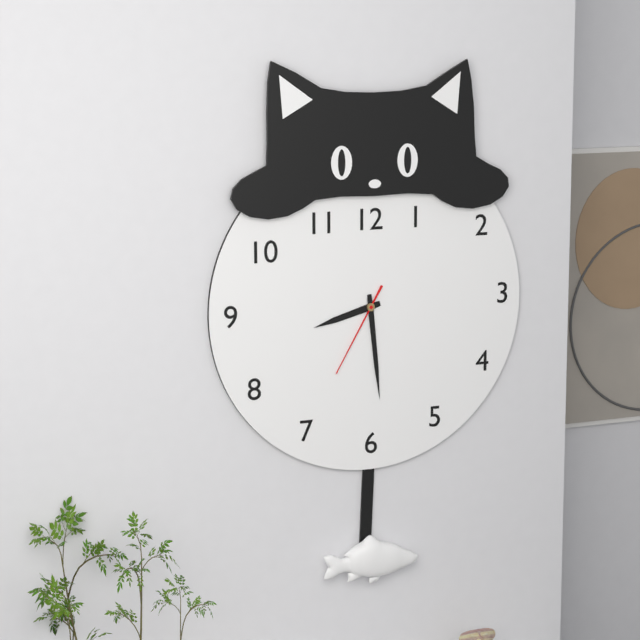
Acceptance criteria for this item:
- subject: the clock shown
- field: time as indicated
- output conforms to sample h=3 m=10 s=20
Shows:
h=8 m=29 s=35
